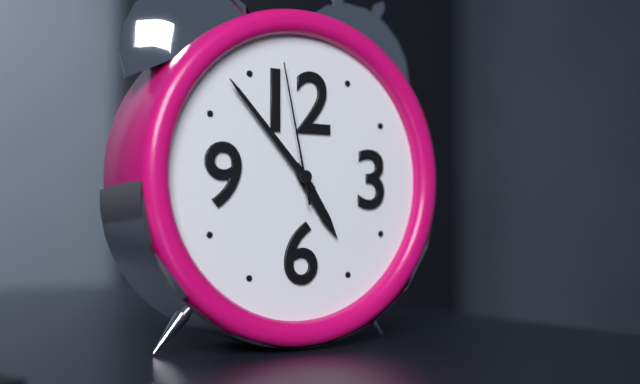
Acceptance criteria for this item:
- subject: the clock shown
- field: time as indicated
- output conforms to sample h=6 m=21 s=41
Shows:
h=4 m=53 s=58
